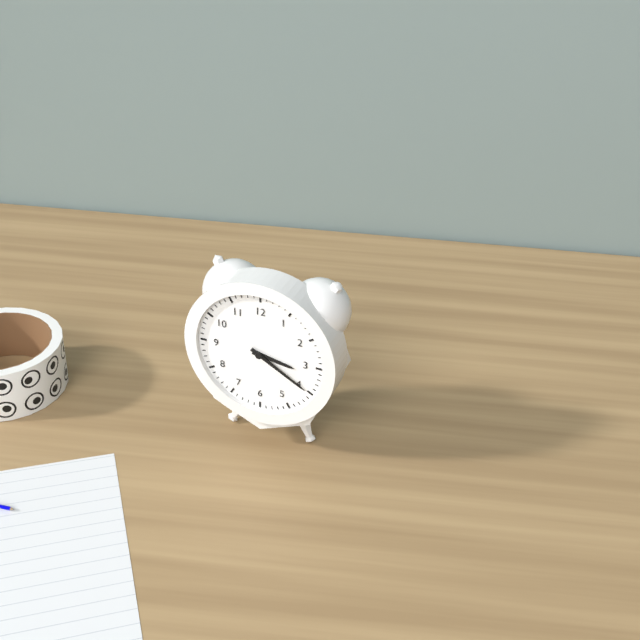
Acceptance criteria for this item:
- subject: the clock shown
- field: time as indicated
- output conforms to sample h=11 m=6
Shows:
h=3 m=20
